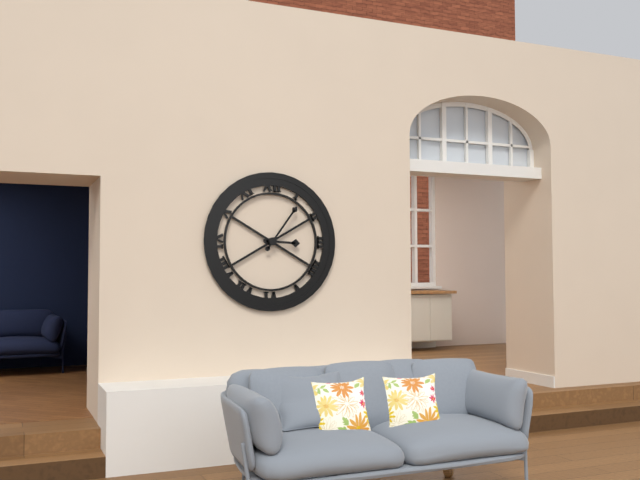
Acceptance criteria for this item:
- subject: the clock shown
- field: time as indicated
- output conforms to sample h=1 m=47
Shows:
h=3 m=6
